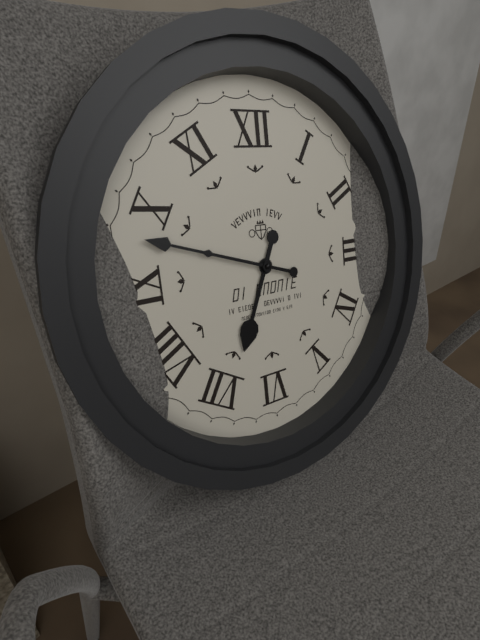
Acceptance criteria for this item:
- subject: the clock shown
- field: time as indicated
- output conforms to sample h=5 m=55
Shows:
h=6 m=48
